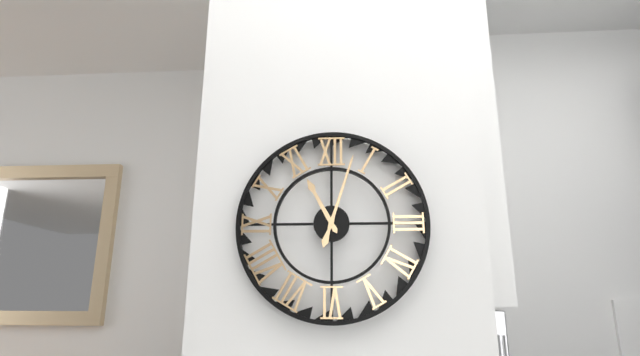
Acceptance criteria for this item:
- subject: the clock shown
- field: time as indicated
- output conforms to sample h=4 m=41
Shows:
h=11 m=3
